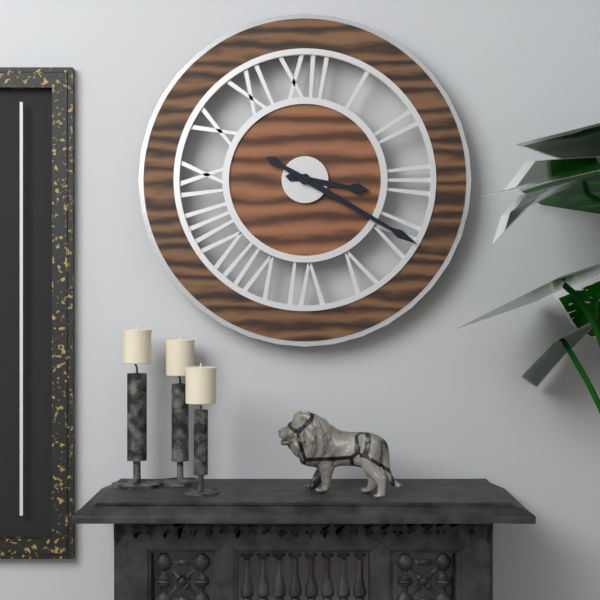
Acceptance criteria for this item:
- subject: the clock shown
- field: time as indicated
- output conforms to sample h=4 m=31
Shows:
h=3 m=20
